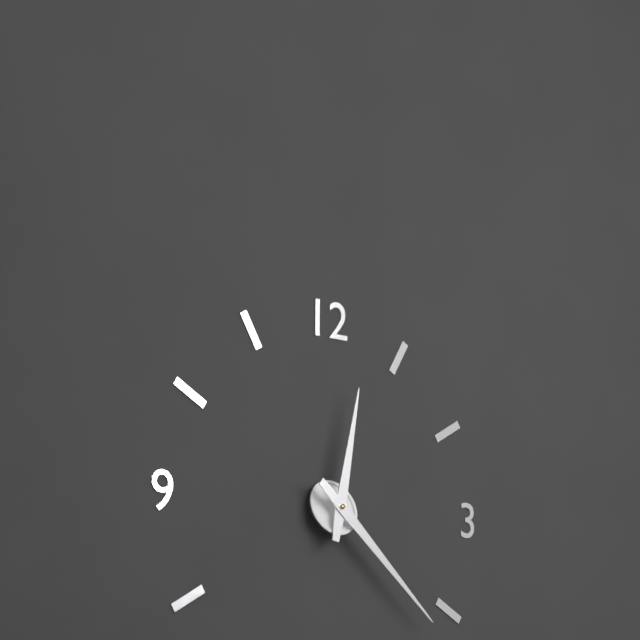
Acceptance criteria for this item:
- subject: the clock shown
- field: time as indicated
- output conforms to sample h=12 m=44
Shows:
h=12 m=22
